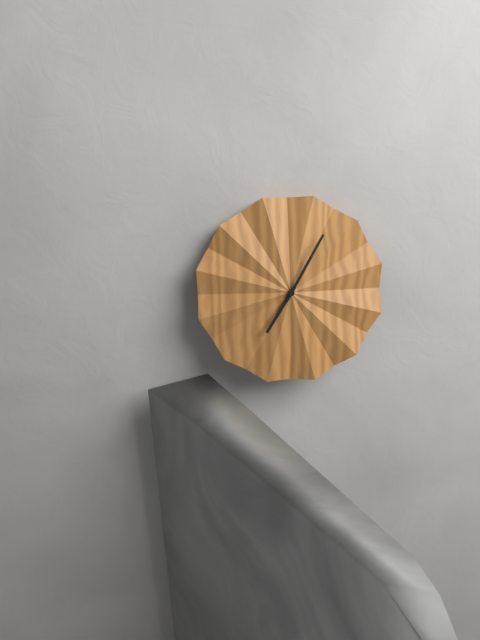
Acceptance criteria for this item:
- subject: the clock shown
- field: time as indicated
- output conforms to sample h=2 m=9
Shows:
h=7 m=5
